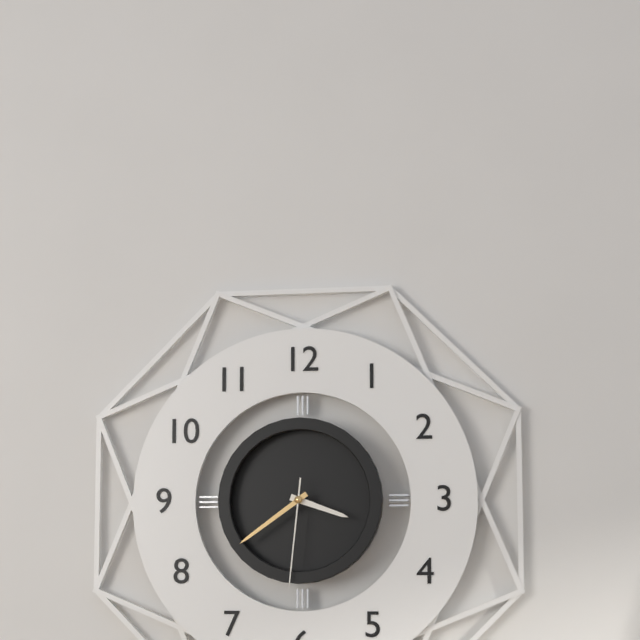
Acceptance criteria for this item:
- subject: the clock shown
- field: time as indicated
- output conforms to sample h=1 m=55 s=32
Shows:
h=3 m=39 s=31
